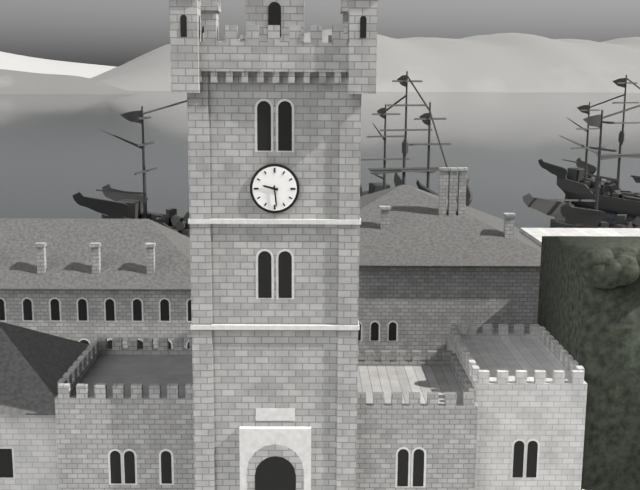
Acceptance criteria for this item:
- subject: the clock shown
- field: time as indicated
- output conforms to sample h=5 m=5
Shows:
h=9 m=29
